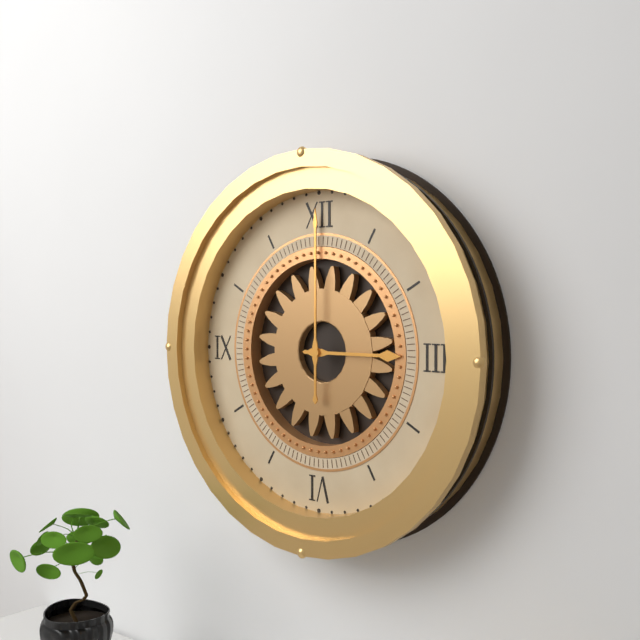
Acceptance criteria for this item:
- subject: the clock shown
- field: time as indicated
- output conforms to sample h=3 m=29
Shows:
h=3 m=0
